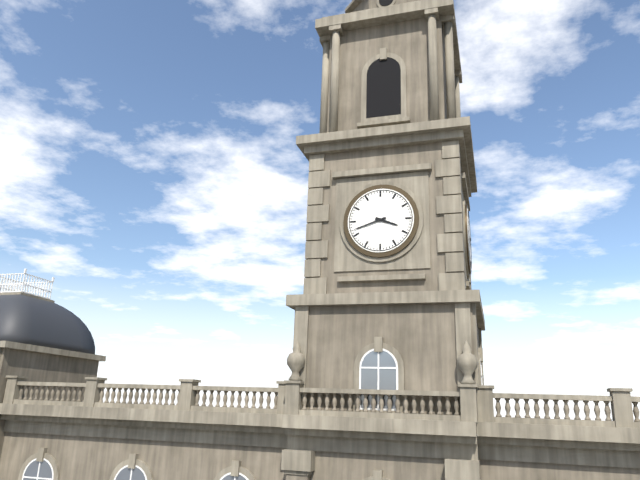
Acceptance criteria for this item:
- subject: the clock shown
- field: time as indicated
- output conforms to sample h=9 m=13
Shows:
h=3 m=42
